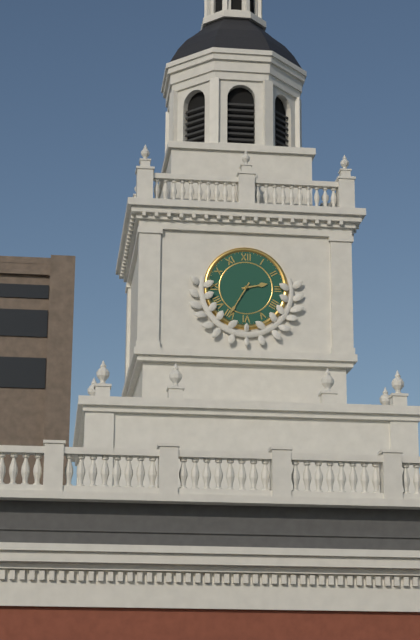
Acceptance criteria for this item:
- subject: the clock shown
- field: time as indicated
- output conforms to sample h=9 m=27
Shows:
h=2 m=35
